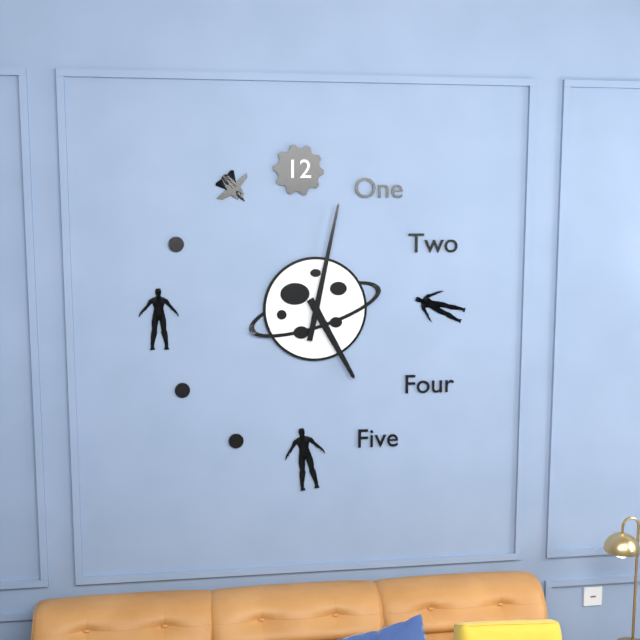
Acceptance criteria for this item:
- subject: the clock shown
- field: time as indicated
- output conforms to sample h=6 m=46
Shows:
h=5 m=2
